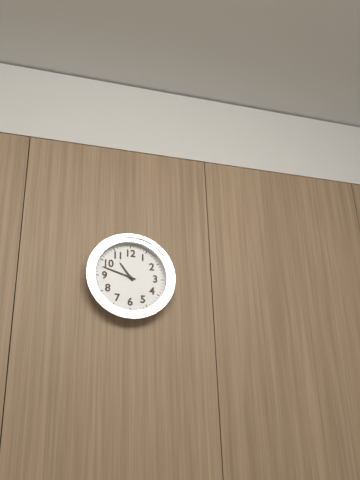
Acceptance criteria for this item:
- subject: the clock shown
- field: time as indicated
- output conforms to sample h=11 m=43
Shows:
h=10 m=48
